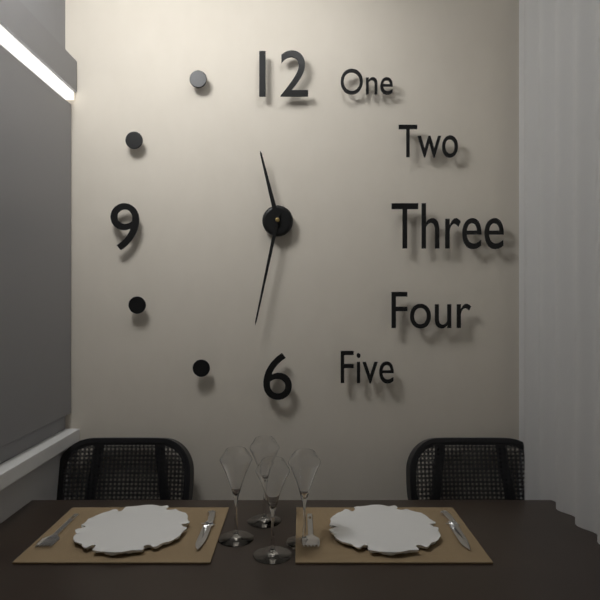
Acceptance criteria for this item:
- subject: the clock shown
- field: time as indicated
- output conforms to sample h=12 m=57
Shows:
h=11 m=32
